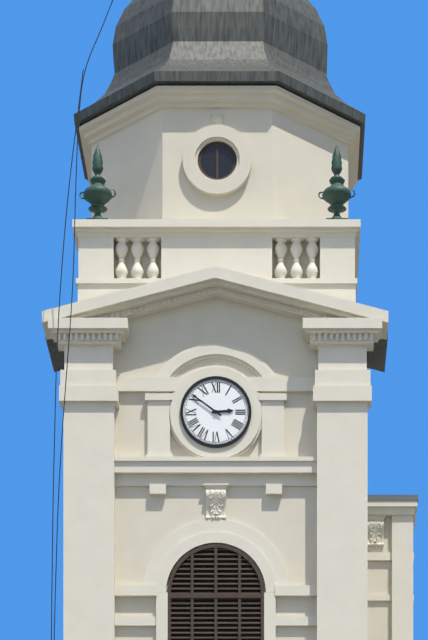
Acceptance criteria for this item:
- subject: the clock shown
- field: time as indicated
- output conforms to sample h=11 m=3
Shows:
h=2 m=51
